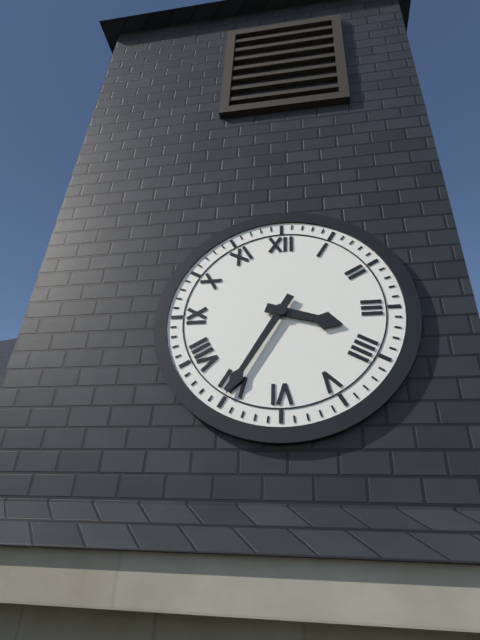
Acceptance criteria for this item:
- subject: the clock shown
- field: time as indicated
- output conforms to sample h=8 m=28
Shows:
h=3 m=35
